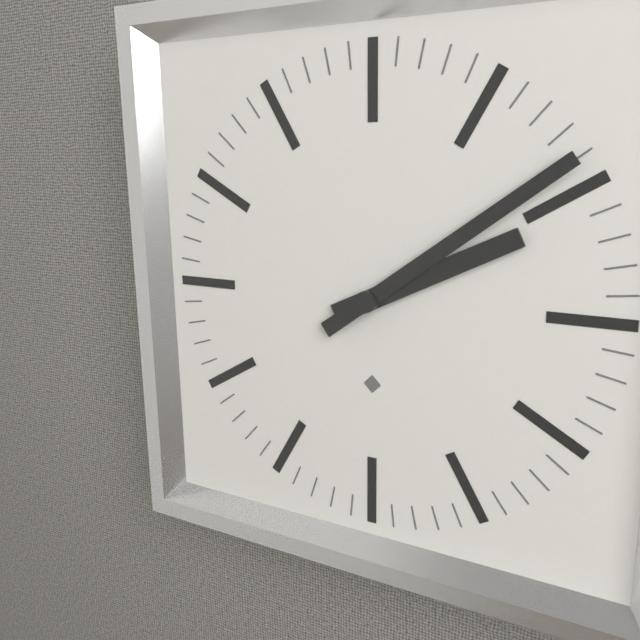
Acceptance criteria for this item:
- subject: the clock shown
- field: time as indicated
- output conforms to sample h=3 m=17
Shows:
h=2 m=9
